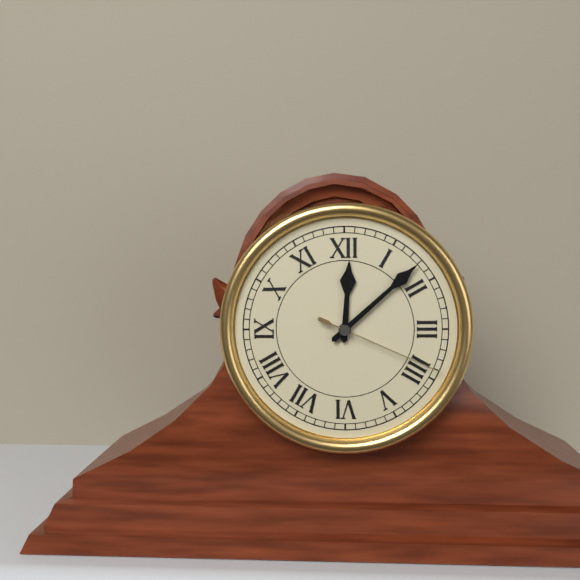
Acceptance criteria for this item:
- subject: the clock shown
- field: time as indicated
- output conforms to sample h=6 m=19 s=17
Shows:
h=12 m=8 s=19
